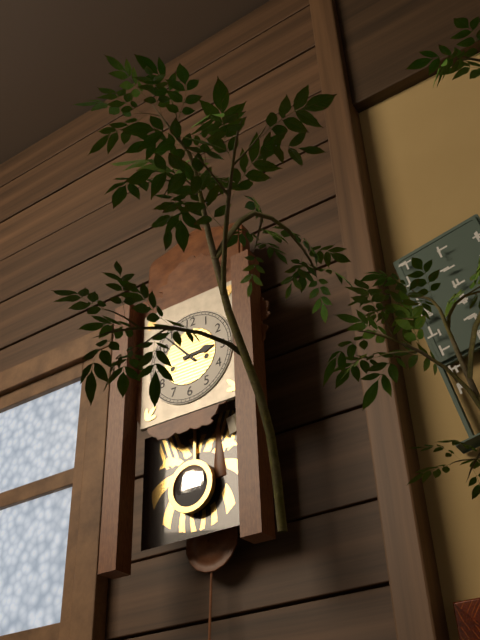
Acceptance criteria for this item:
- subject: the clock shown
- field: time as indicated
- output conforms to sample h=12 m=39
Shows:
h=2 m=53
